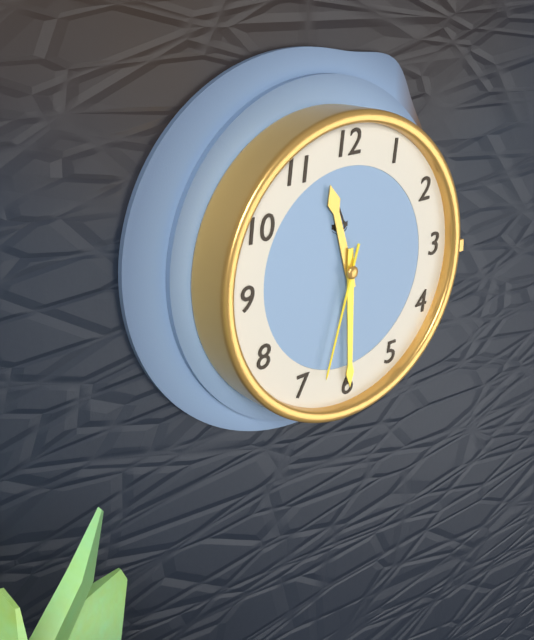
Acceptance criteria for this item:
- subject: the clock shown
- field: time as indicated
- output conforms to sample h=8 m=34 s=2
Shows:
h=11 m=30 s=33
